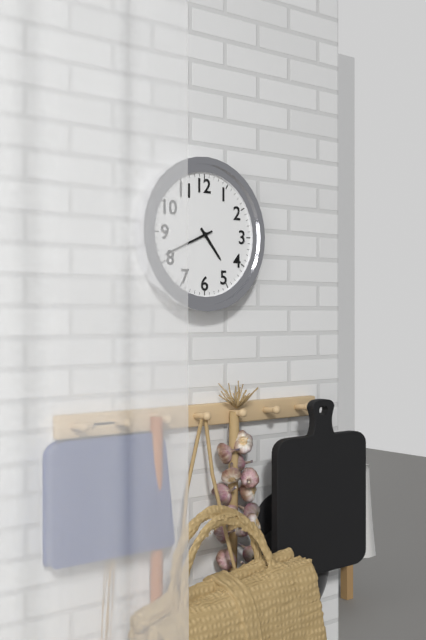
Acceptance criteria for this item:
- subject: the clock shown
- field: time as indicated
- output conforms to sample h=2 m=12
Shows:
h=4 m=41
